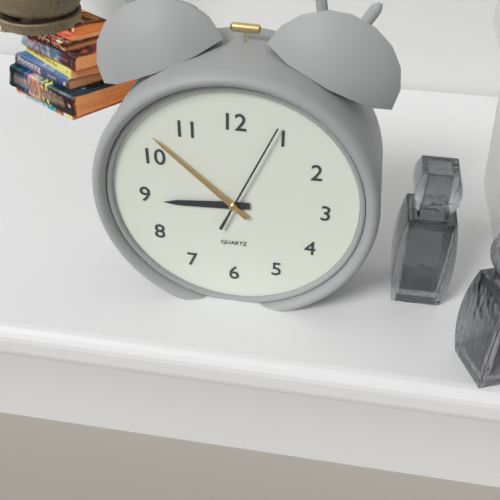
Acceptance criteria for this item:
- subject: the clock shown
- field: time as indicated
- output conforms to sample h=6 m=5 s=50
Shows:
h=8 m=52 s=4
